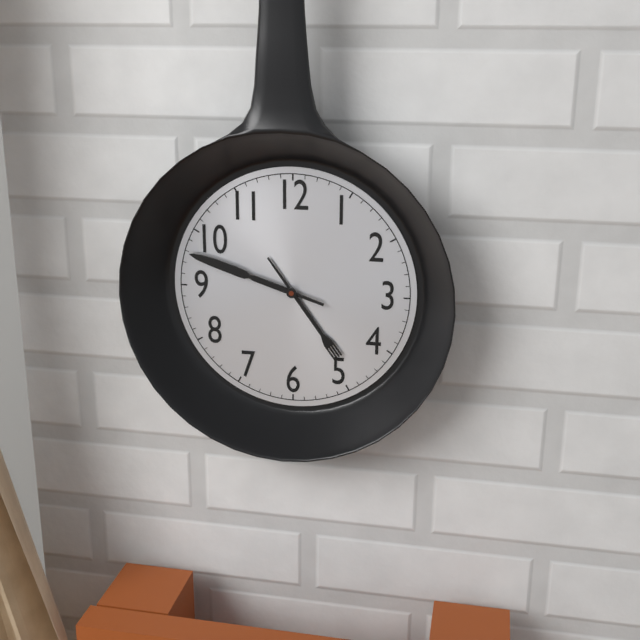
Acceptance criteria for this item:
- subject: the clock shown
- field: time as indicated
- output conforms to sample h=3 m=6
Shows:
h=4 m=48
